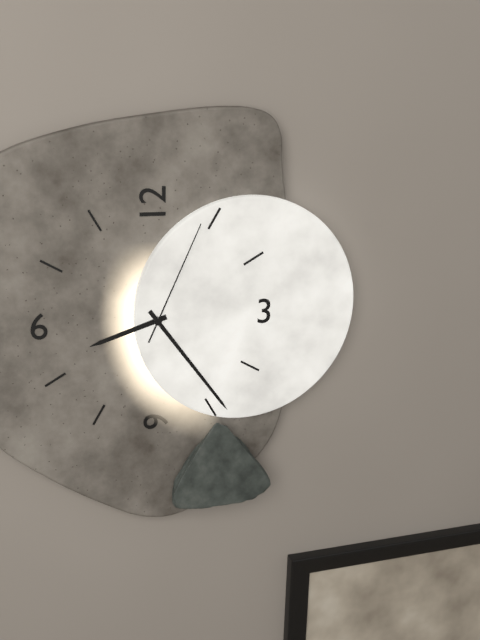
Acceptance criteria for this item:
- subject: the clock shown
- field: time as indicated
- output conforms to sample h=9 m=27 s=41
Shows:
h=8 m=24 s=4
